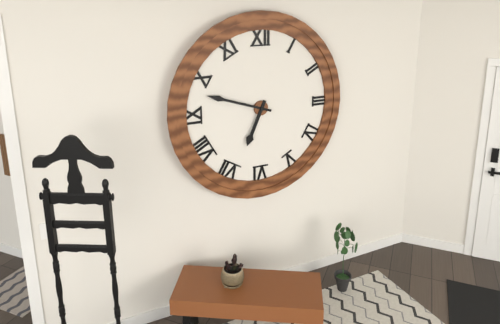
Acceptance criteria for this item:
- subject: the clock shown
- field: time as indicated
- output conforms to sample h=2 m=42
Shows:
h=6 m=48
